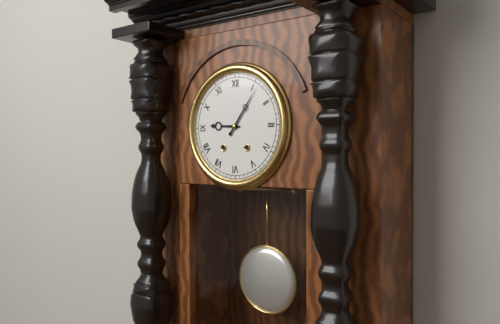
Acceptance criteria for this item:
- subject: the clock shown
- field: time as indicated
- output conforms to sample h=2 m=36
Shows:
h=9 m=6
